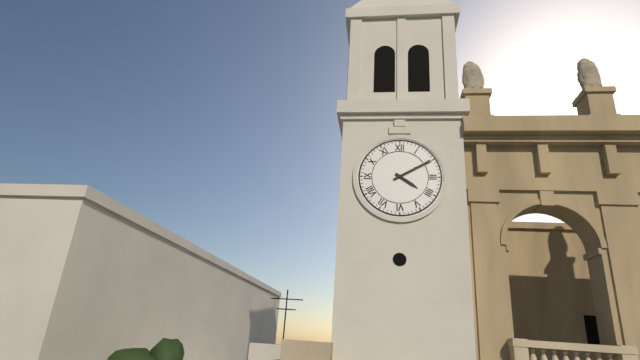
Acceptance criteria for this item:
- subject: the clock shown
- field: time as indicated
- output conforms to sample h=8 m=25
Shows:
h=4 m=10
